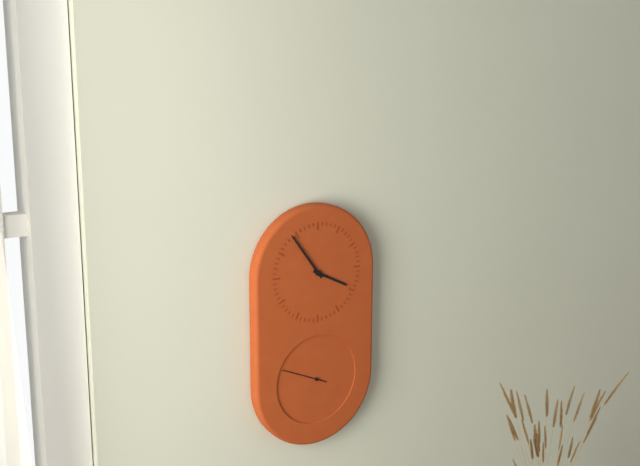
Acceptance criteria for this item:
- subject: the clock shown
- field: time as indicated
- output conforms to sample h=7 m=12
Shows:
h=3 m=54
